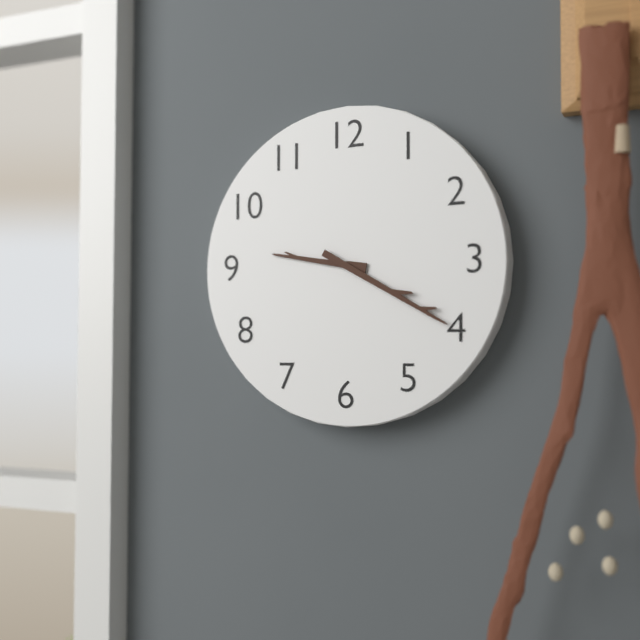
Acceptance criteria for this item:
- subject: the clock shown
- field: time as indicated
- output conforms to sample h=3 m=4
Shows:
h=9 m=20
